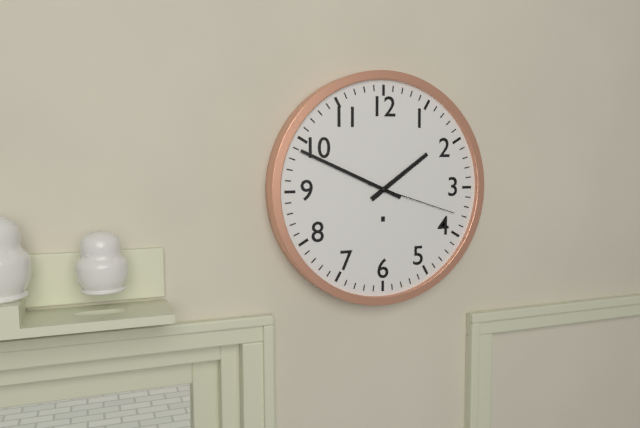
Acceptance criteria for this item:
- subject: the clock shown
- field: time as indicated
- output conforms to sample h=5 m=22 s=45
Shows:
h=1 m=49 s=18
